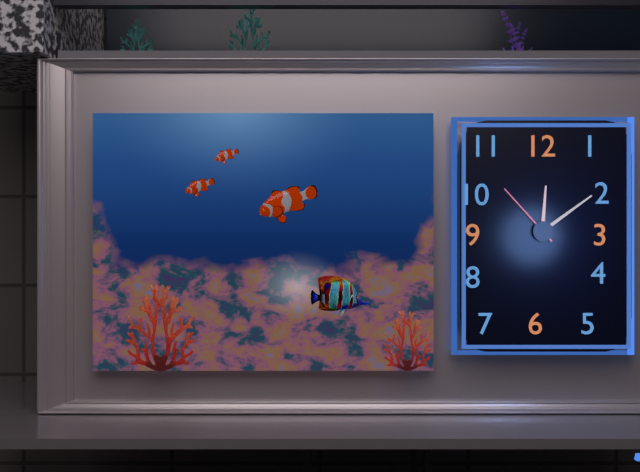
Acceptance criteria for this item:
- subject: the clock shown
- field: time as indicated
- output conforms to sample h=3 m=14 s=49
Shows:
h=12 m=9 s=53
